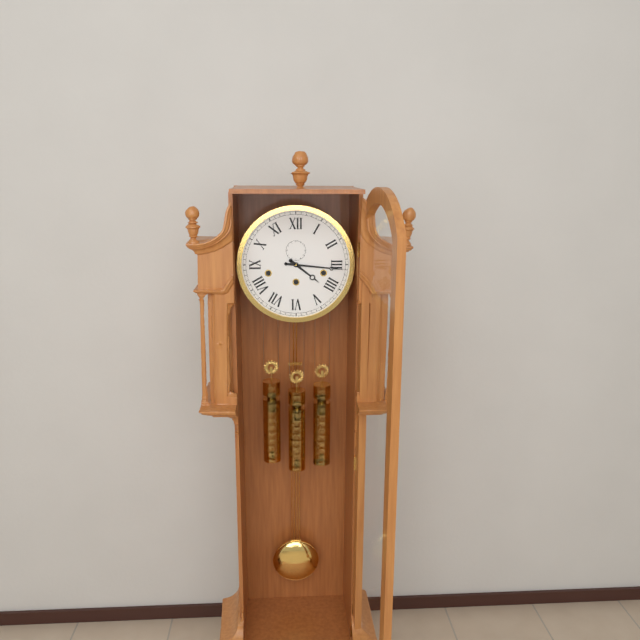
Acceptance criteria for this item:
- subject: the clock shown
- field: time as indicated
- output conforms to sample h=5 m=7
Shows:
h=4 m=16
